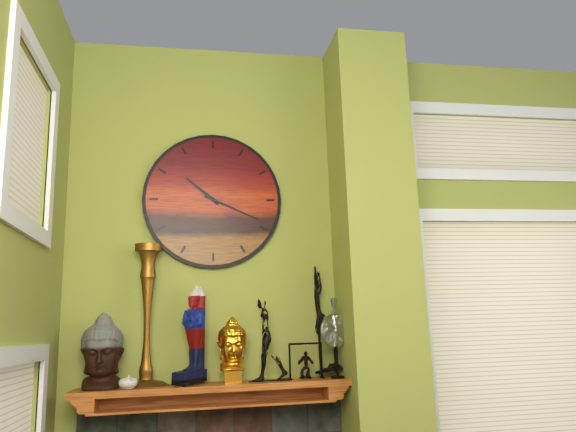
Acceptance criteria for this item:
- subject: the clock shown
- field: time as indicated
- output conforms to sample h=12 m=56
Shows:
h=10 m=19
